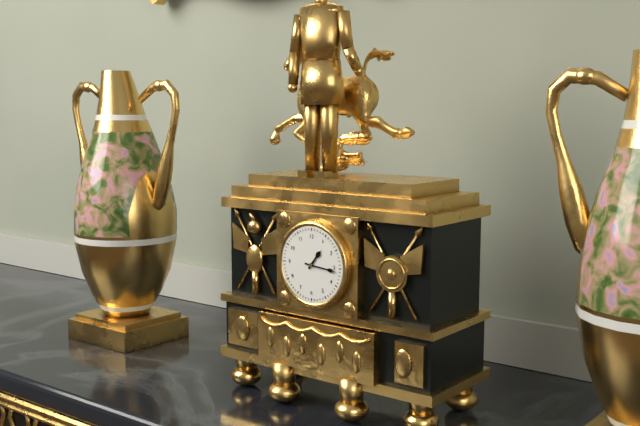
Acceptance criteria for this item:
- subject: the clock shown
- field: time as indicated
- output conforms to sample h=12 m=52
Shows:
h=1 m=16
